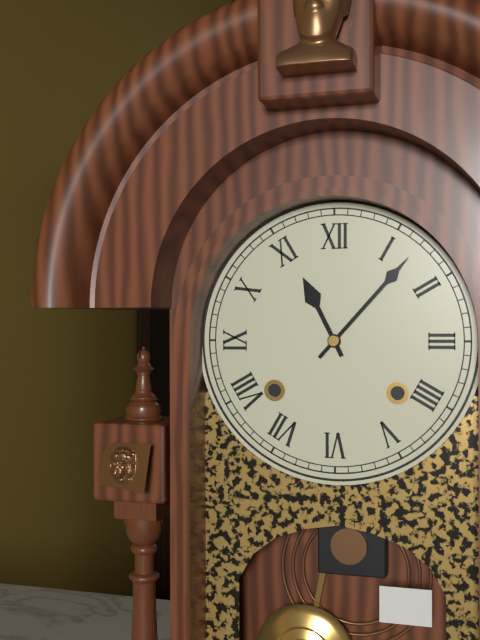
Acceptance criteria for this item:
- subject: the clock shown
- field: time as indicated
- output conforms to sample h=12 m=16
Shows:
h=11 m=7
